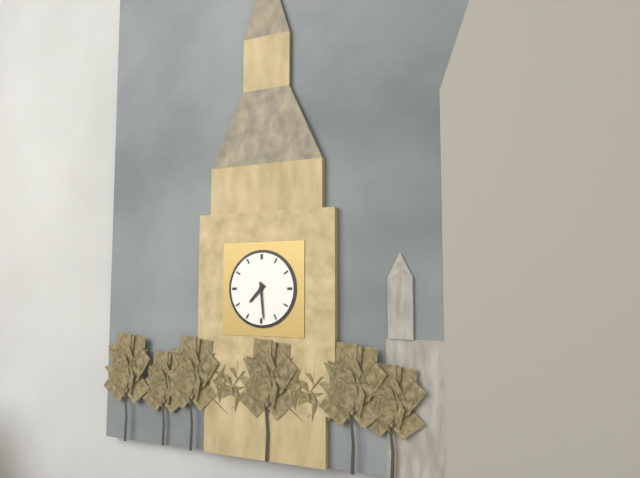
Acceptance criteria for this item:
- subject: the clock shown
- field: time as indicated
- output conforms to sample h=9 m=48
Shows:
h=7 m=29
